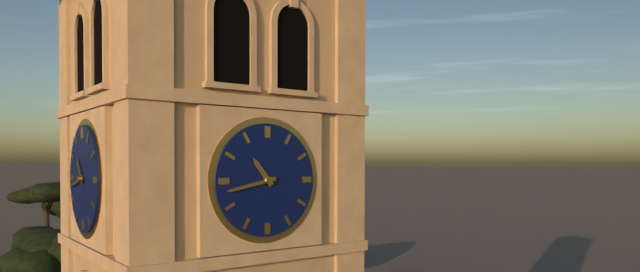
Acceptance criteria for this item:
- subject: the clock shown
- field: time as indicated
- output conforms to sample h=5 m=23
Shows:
h=10 m=43
